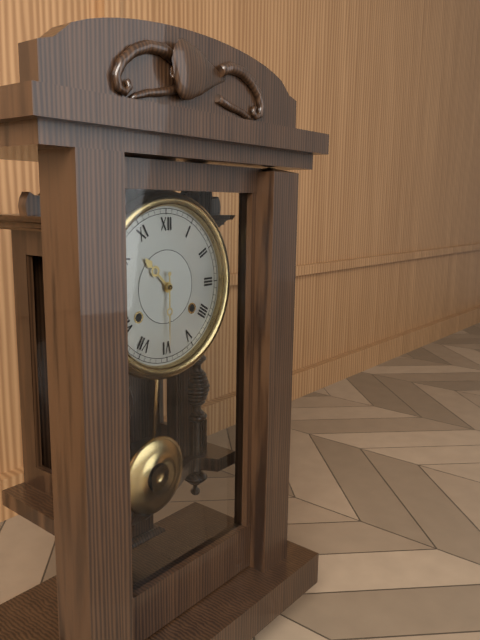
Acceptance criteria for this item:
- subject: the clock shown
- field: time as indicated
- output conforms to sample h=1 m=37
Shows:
h=10 m=30
